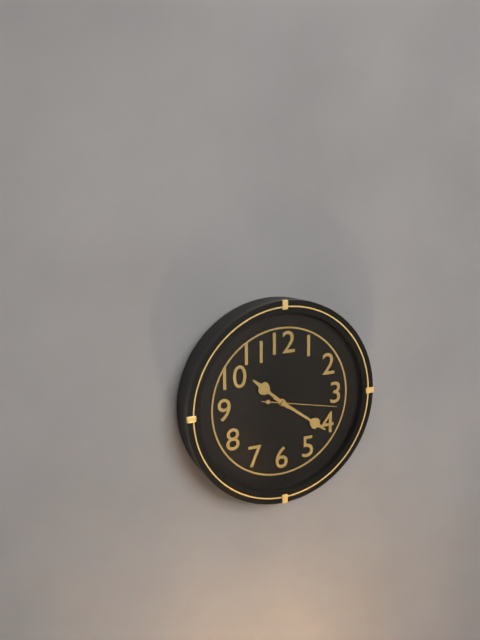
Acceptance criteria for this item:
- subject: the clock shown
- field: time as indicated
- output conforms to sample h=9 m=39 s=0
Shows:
h=10 m=21 s=17
